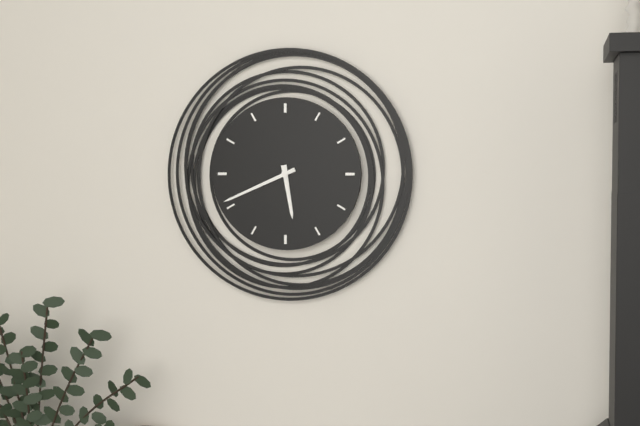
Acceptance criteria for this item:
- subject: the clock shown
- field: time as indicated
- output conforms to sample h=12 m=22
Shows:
h=5 m=41
